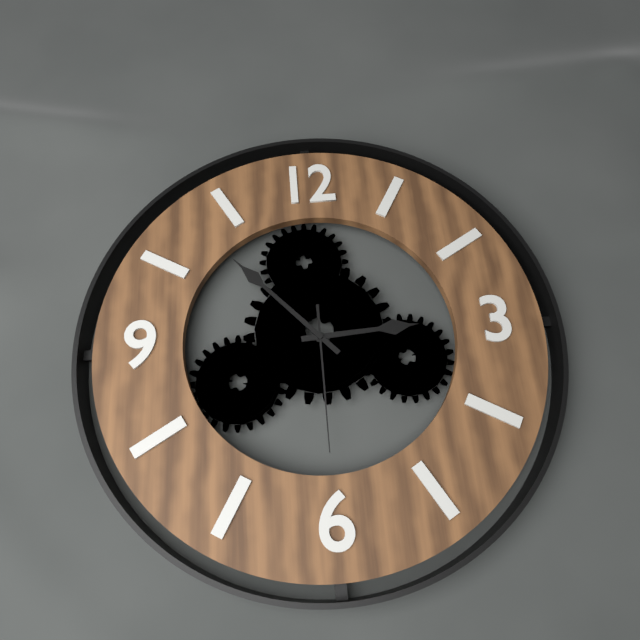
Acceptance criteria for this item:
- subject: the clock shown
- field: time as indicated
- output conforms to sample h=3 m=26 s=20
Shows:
h=2 m=53 s=30
